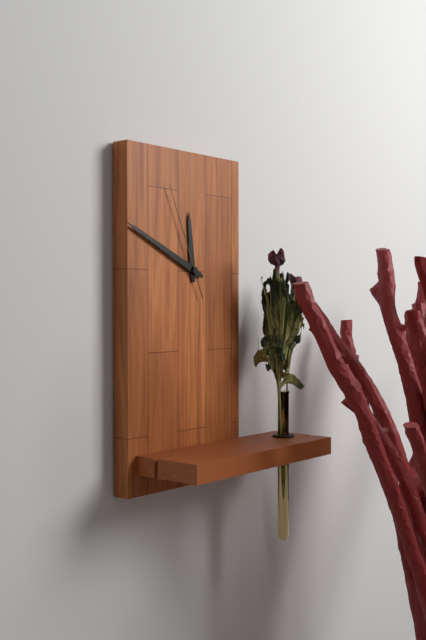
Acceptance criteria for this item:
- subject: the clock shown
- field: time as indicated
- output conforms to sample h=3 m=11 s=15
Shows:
h=11 m=49 s=56
